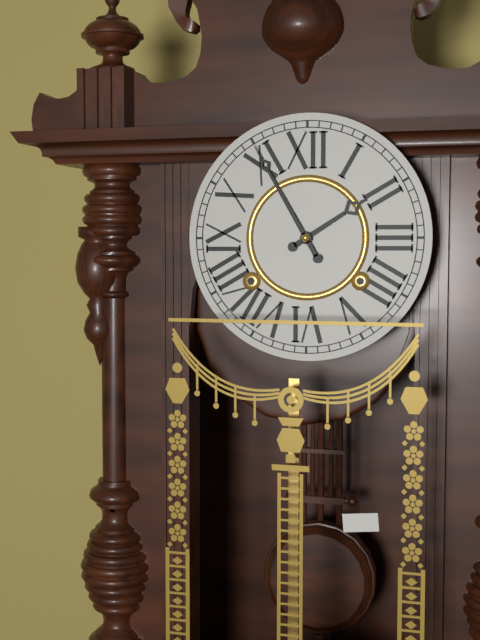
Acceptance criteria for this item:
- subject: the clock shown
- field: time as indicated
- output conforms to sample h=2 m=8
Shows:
h=1 m=55
